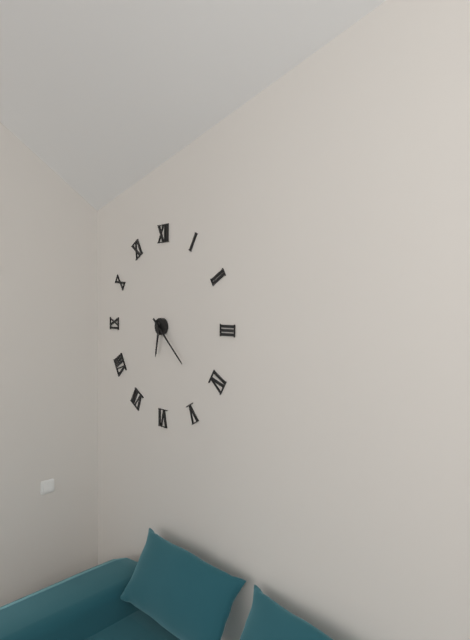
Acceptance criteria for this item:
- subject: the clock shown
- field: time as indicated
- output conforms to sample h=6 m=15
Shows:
h=6 m=22
